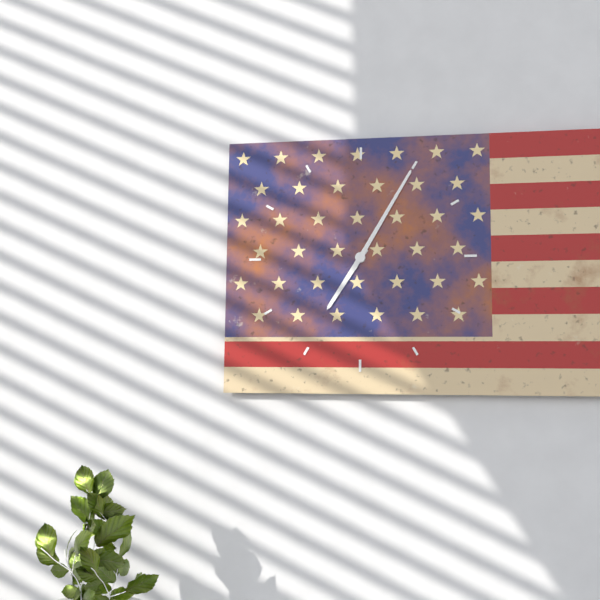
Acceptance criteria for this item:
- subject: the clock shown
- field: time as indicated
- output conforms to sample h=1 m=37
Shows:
h=7 m=5
